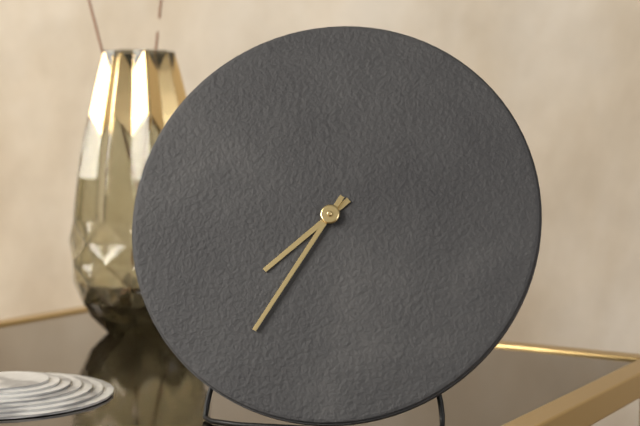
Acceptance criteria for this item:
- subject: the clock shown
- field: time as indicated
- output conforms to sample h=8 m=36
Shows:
h=7 m=35
